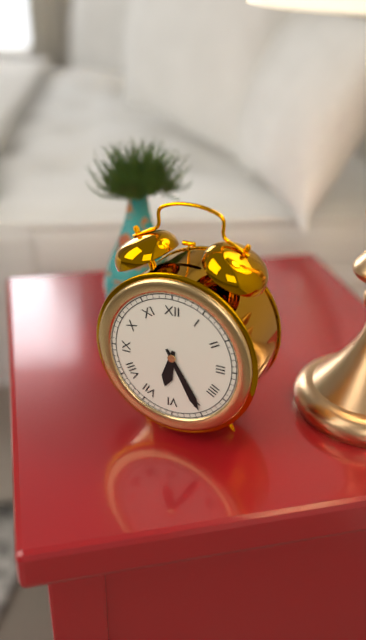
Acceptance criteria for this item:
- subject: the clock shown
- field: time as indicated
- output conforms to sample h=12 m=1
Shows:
h=6 m=25
